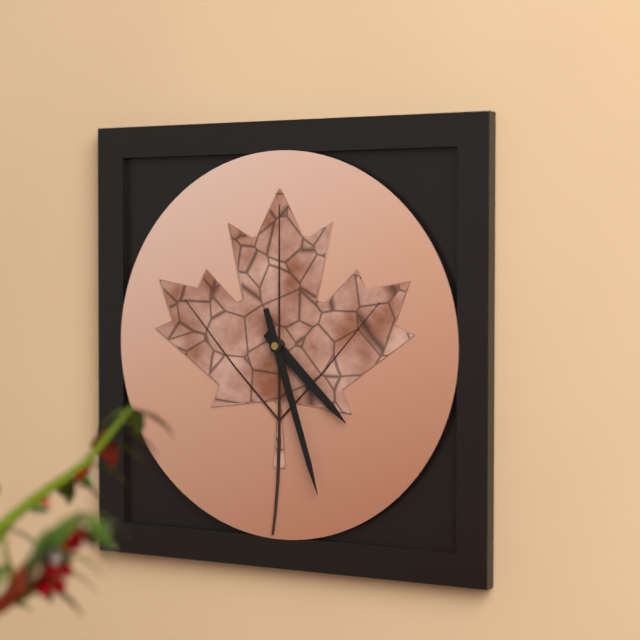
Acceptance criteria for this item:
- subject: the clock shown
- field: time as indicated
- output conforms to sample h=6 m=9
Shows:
h=4 m=27
